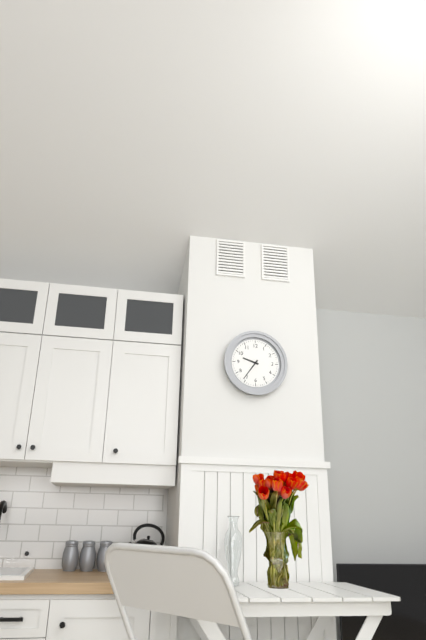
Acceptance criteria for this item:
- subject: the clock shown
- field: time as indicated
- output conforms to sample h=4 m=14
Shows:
h=9 m=36
